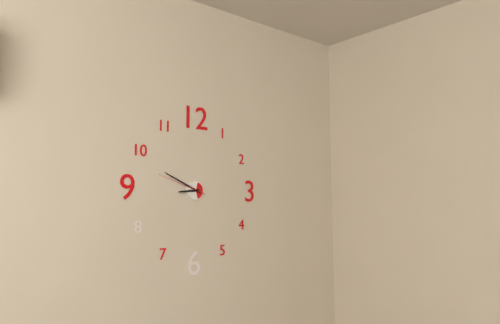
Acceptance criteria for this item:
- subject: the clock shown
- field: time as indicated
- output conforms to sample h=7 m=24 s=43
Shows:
h=8 m=49 s=48
